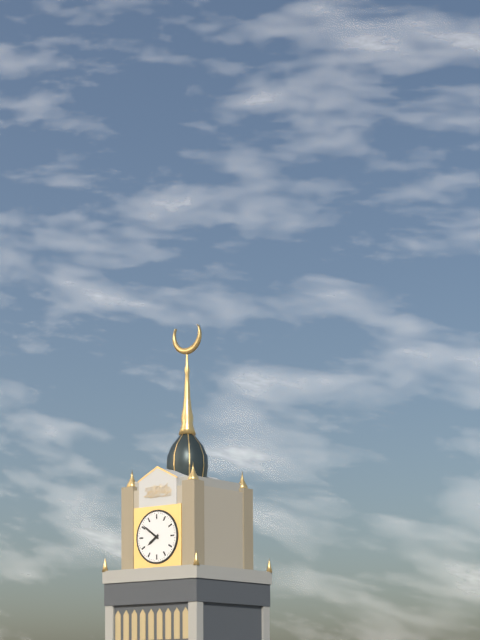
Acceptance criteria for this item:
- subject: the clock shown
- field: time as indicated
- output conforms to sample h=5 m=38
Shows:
h=7 m=51
